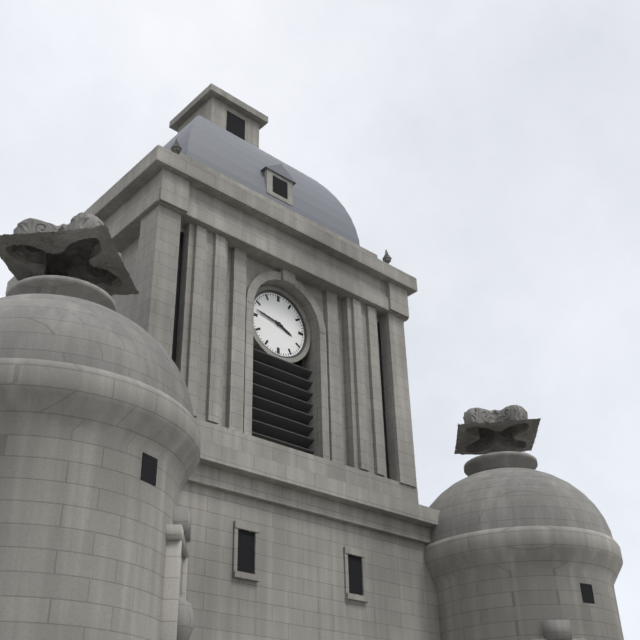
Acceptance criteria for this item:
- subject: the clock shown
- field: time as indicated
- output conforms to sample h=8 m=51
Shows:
h=3 m=47
